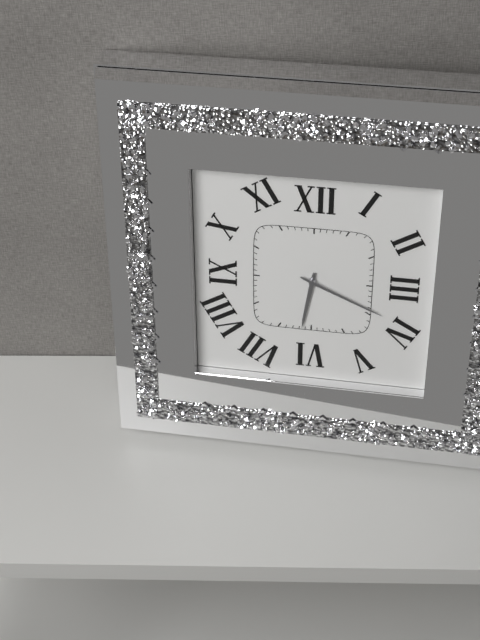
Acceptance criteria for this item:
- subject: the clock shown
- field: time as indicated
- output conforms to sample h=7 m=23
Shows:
h=6 m=19
